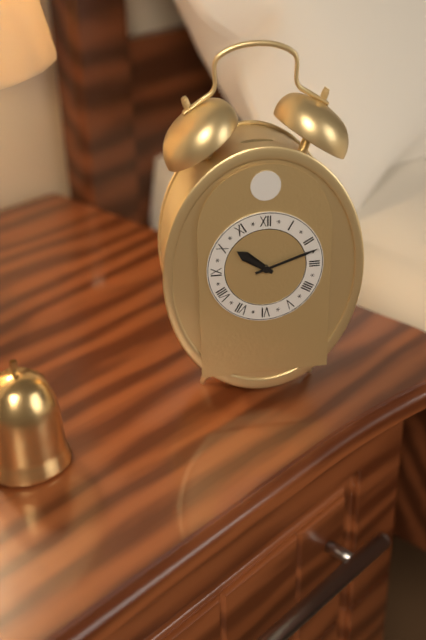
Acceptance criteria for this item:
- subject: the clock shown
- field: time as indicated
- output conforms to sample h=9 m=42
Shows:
h=10 m=12
